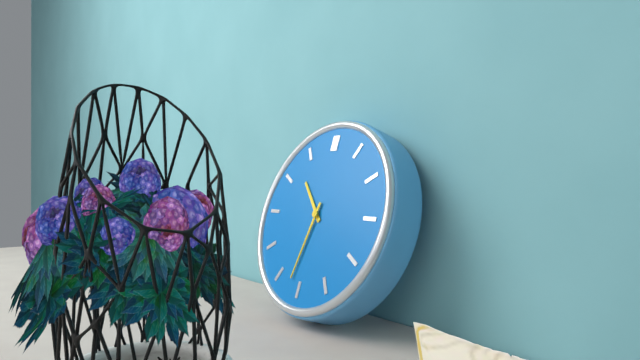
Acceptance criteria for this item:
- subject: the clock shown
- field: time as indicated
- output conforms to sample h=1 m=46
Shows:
h=10 m=32
